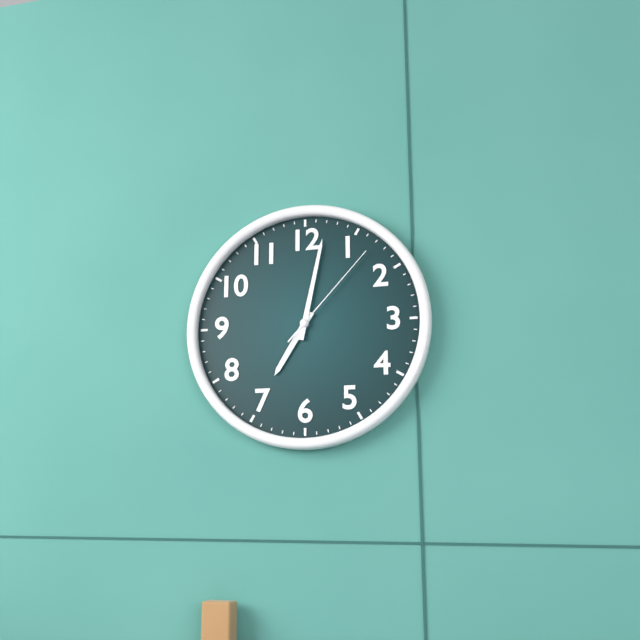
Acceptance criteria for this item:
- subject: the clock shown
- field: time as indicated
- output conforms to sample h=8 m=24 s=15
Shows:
h=7 m=2 s=7
